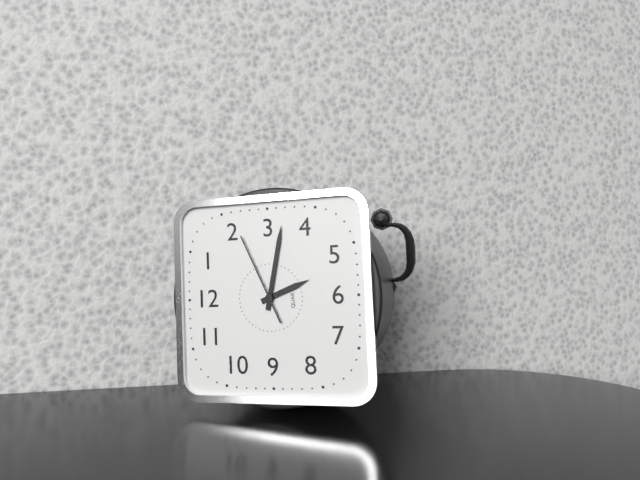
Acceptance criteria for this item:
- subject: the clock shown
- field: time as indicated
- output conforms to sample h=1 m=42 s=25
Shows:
h=5 m=17 s=11
